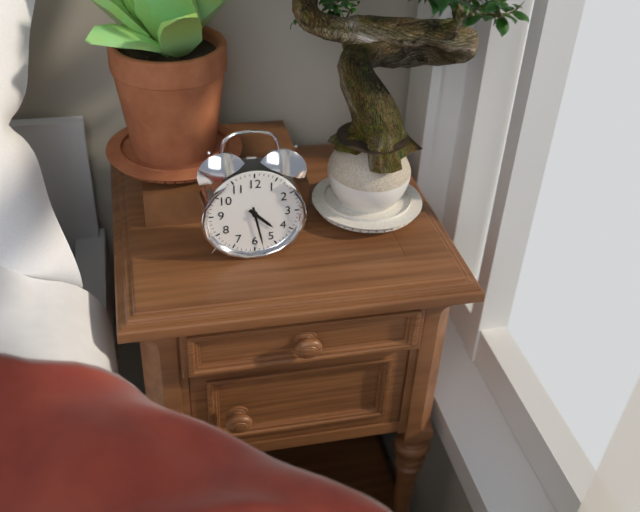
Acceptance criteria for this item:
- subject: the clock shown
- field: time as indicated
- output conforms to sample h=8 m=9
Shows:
h=4 m=28
